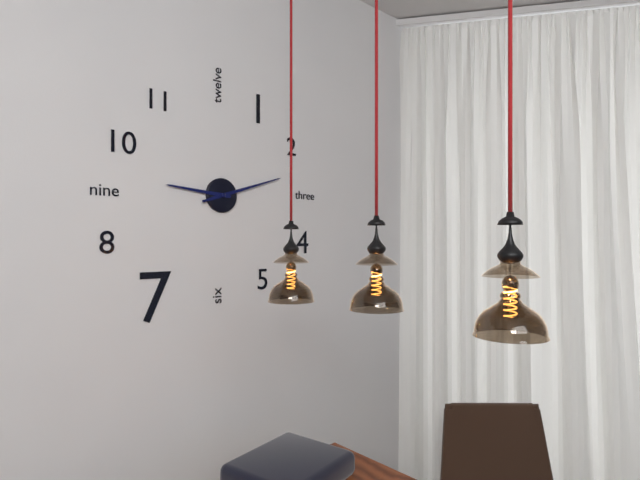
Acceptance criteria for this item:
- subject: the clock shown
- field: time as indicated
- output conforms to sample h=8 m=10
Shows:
h=9 m=12
